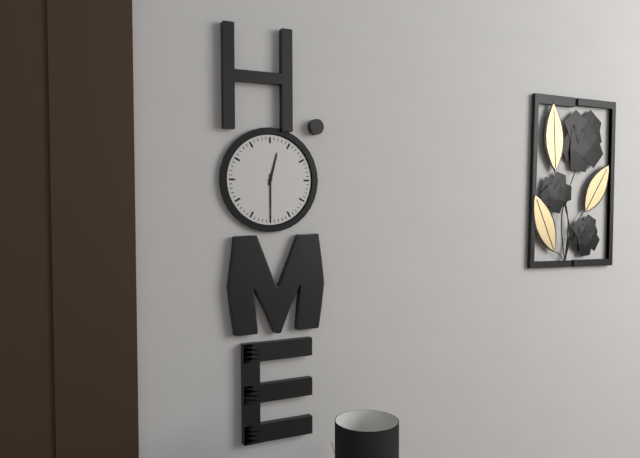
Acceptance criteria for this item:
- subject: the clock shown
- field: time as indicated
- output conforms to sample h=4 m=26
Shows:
h=12 m=30
